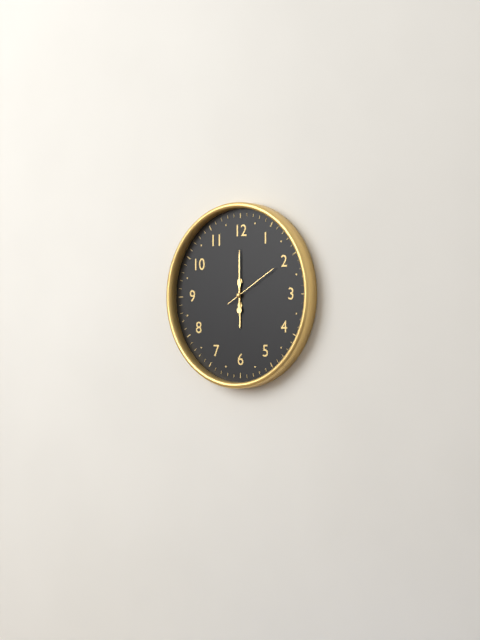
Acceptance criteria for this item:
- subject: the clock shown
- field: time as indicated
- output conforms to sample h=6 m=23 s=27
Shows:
h=6 m=0 s=10
